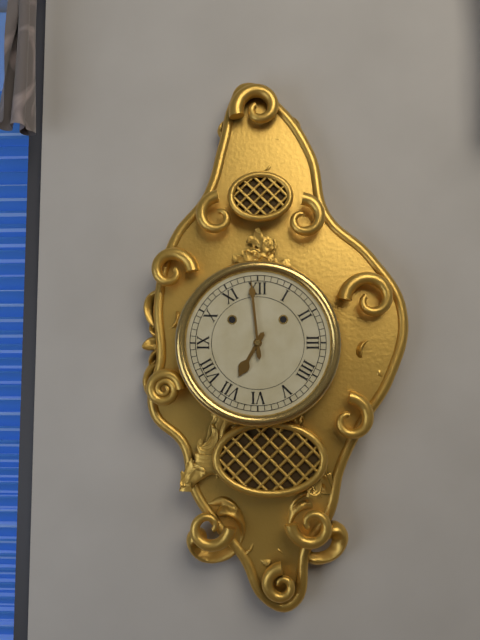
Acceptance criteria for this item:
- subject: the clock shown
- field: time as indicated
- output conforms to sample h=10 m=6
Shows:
h=6 m=59
